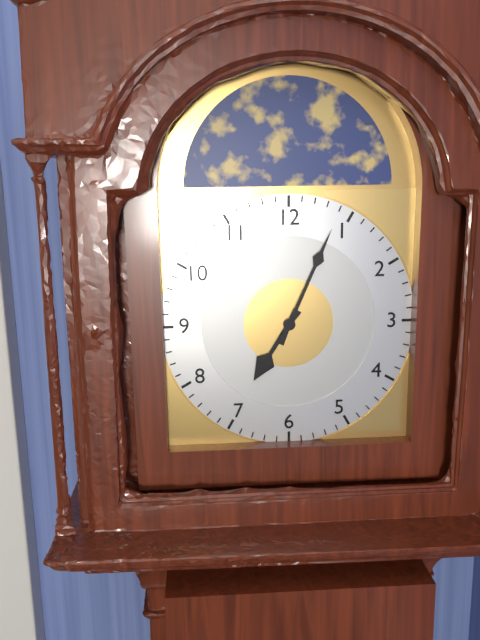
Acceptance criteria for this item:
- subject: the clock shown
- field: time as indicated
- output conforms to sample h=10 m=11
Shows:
h=7 m=4
